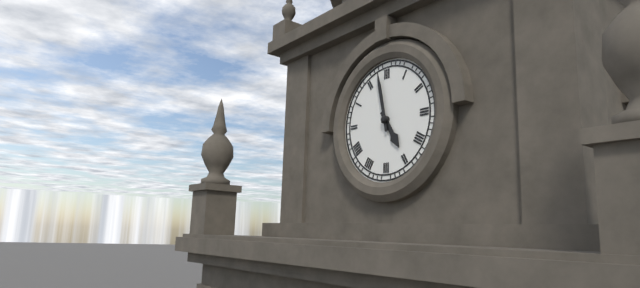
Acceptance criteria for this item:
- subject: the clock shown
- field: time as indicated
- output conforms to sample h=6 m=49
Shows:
h=4 m=58
